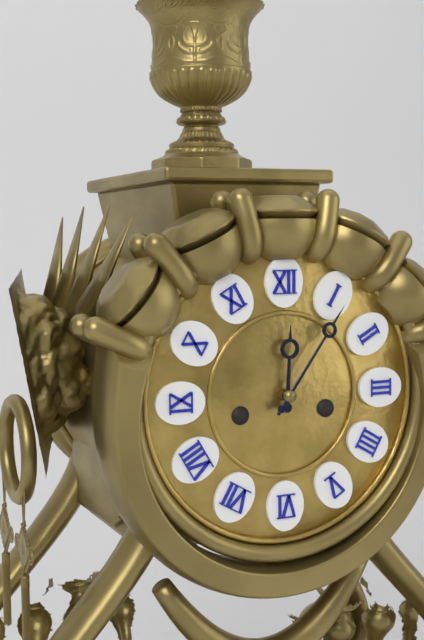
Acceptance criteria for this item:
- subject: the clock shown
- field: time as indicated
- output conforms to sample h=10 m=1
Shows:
h=12 m=6
